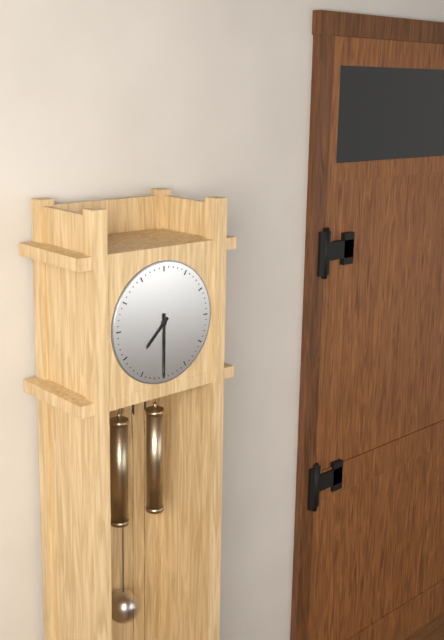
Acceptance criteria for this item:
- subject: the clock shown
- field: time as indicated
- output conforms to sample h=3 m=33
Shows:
h=7 m=30
